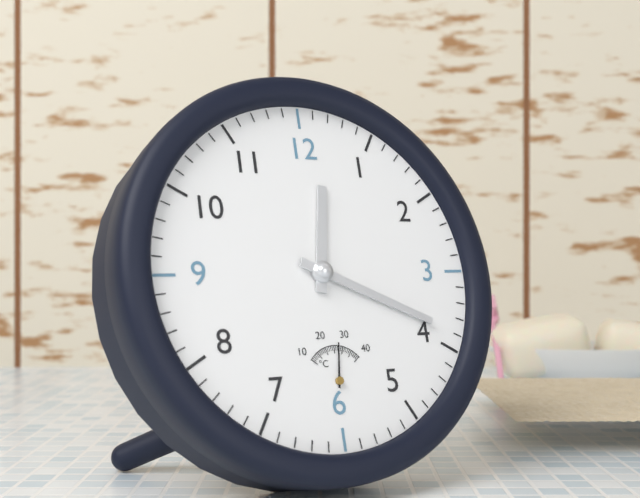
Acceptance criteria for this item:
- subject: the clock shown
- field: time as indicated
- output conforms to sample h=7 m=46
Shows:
h=12 m=19
